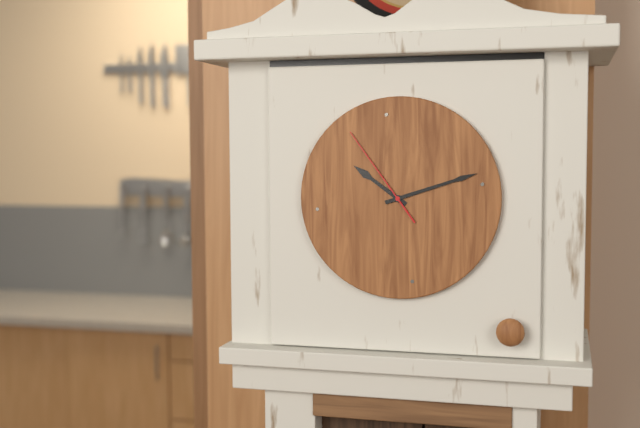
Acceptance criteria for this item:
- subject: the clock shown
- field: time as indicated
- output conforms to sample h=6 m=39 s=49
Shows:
h=10 m=12 s=54
